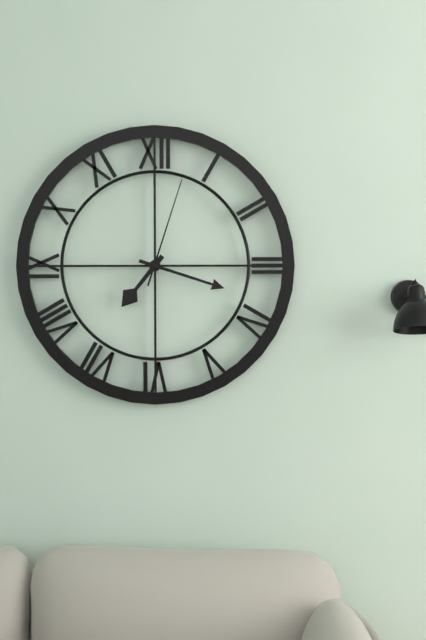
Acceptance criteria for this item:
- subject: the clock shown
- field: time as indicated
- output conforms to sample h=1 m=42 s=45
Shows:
h=7 m=18 s=3
